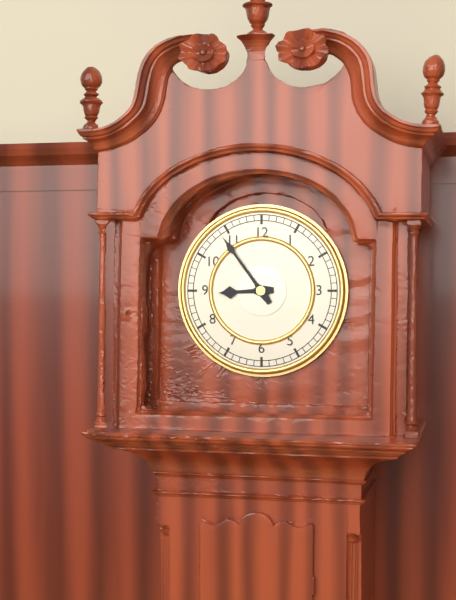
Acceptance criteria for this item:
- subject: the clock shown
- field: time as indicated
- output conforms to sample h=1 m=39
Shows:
h=8 m=54
